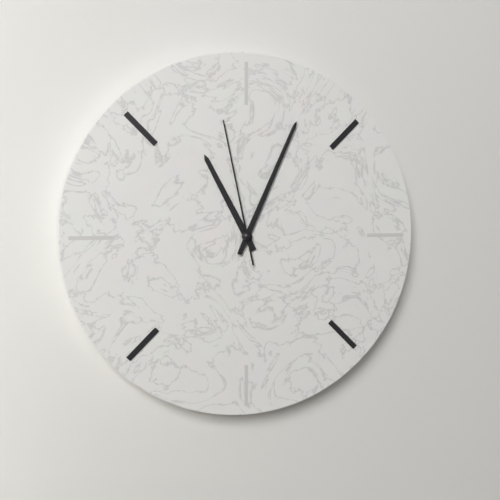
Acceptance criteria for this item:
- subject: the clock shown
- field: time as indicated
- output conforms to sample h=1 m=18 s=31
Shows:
h=11 m=4 s=58
